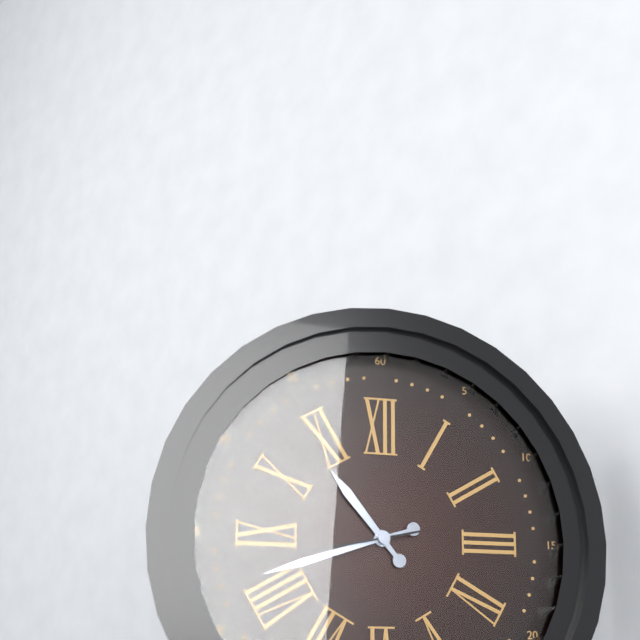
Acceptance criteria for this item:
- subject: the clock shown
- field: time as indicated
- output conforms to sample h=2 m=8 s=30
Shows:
h=10 m=42 s=43
